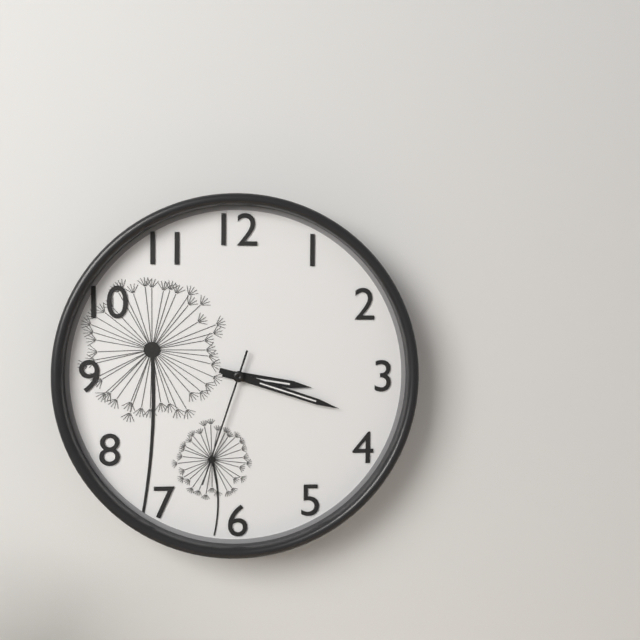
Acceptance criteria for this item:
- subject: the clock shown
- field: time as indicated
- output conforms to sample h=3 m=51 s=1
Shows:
h=3 m=18 s=33
